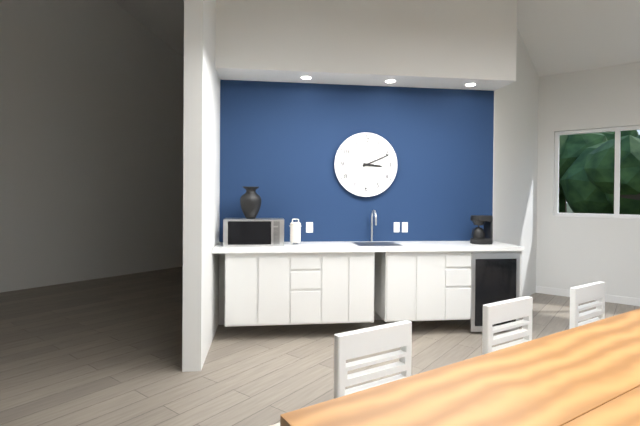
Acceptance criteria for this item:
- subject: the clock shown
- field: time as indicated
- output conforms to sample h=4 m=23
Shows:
h=3 m=11
